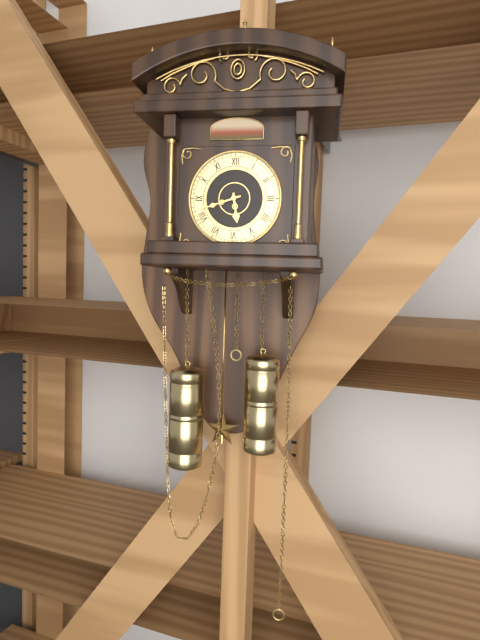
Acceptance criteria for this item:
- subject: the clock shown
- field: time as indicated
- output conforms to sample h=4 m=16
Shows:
h=5 m=42
